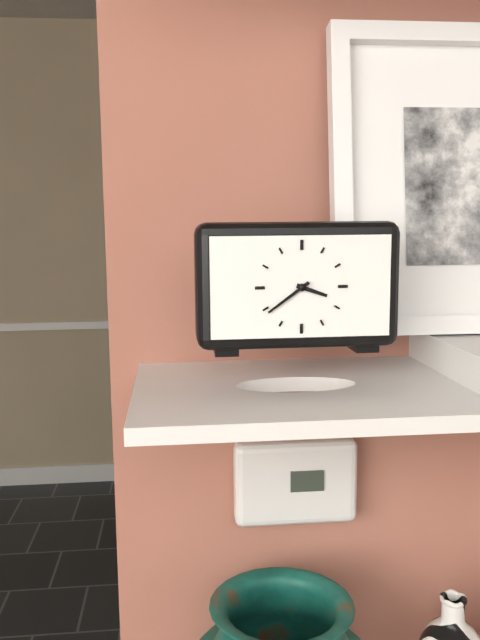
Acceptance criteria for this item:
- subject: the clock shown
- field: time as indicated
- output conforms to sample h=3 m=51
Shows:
h=3 m=39
